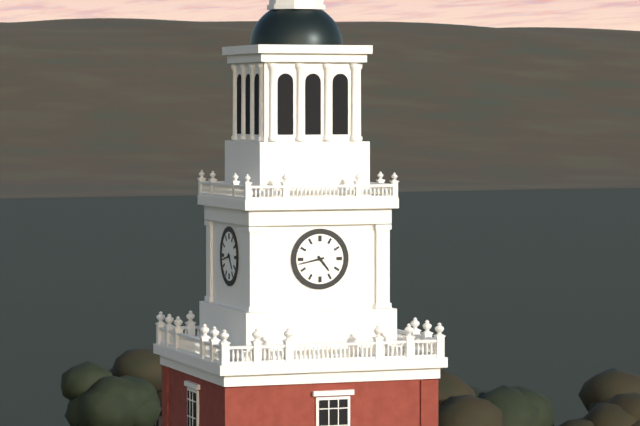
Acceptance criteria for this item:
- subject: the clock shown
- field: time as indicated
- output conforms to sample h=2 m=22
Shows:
h=4 m=43
